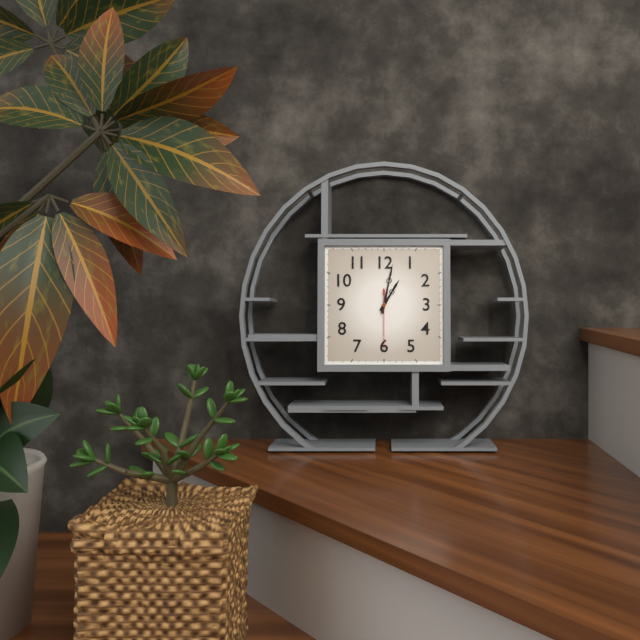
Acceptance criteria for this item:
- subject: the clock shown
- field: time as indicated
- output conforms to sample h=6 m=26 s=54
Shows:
h=1 m=2 s=30
